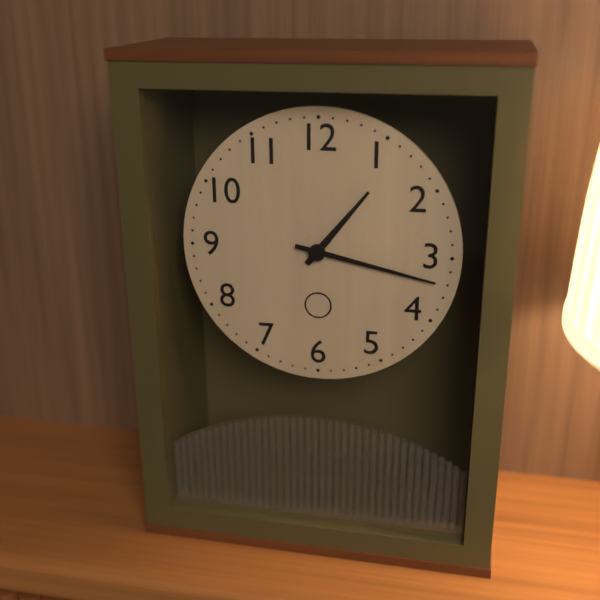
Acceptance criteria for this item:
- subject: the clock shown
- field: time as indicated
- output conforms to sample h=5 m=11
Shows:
h=1 m=17
